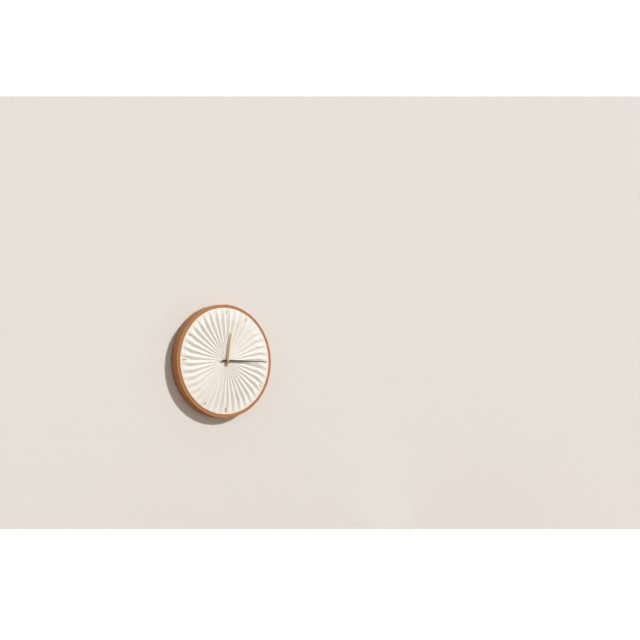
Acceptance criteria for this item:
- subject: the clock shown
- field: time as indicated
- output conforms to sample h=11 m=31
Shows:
h=12 m=15
